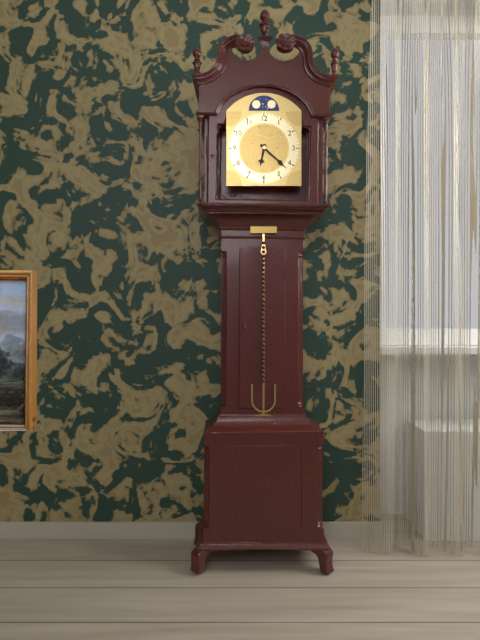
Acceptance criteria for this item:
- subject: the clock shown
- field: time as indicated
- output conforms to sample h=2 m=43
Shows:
h=6 m=22
